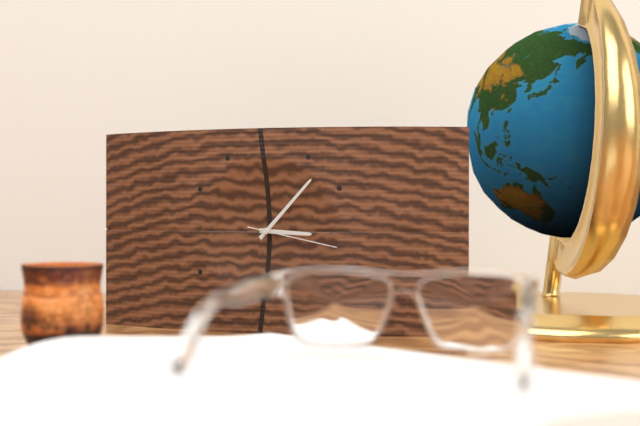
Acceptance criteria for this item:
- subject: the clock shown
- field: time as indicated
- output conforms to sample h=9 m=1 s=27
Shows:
h=3 m=7 s=17
